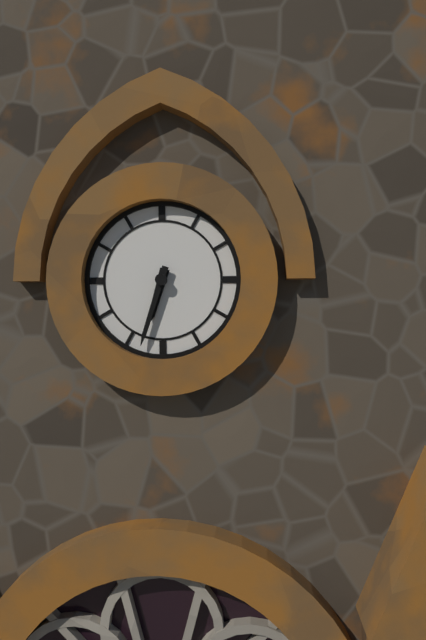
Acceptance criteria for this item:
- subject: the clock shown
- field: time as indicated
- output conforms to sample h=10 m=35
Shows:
h=6 m=33
